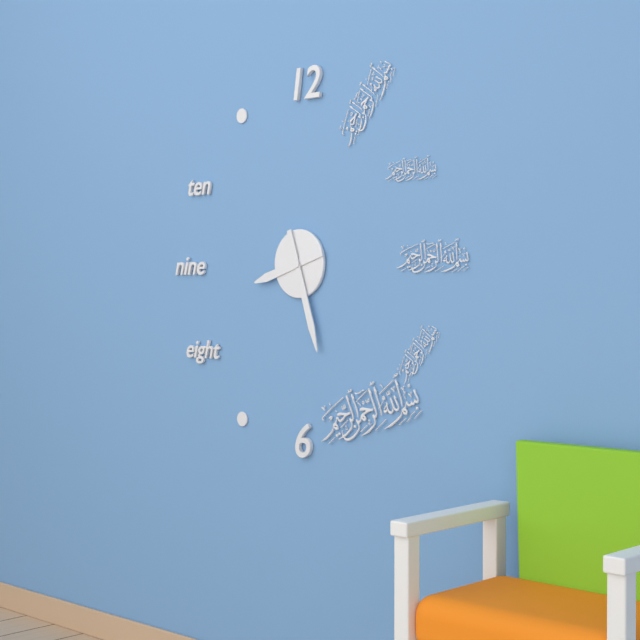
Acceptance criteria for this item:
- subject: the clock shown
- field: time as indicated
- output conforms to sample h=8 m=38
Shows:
h=8 m=27
